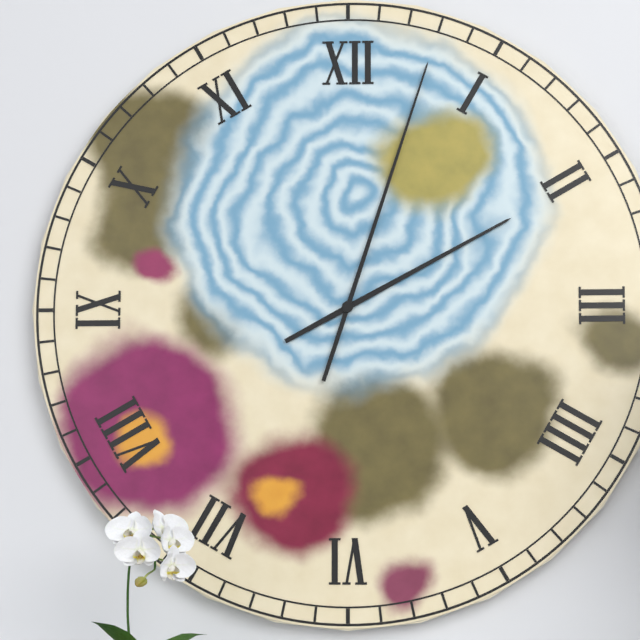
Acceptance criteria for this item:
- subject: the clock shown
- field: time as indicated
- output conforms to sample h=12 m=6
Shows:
h=2 m=3
